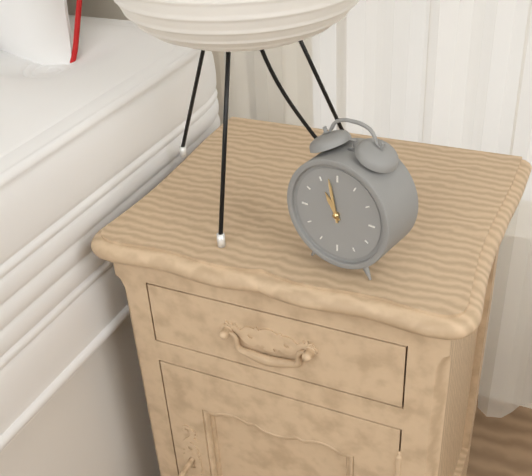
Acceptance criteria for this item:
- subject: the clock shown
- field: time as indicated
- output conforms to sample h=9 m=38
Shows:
h=10 m=58
